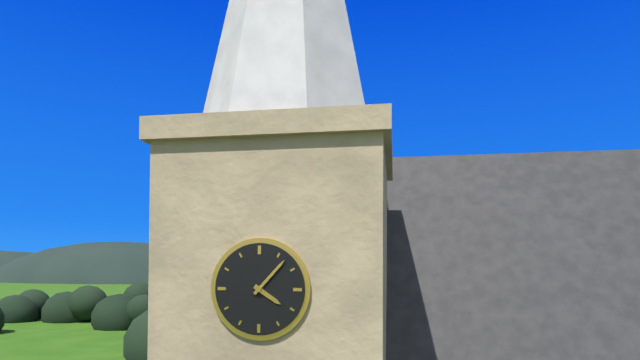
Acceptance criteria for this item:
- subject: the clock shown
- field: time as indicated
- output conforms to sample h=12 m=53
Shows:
h=4 m=7
